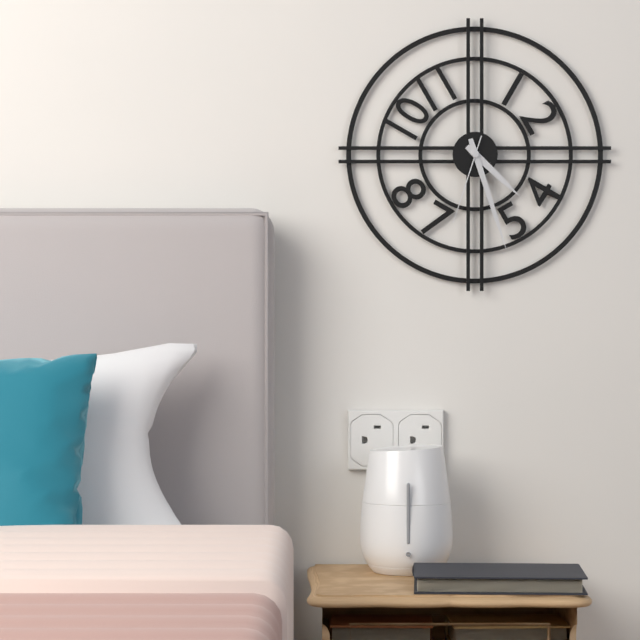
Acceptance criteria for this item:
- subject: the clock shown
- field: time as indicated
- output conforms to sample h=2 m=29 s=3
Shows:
h=4 m=27 s=33
